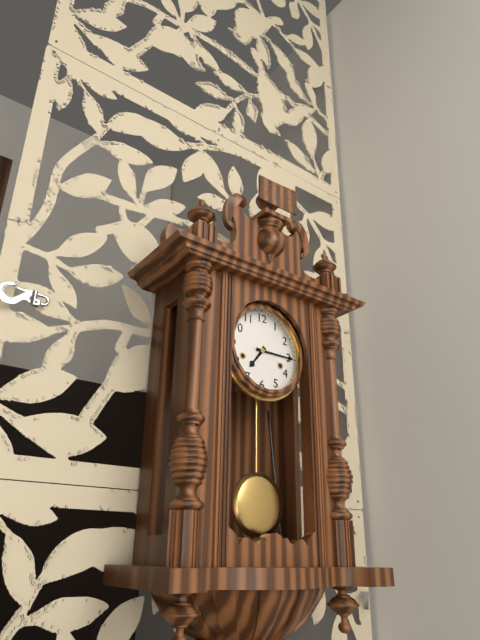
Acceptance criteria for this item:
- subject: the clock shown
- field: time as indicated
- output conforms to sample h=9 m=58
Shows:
h=7 m=15
